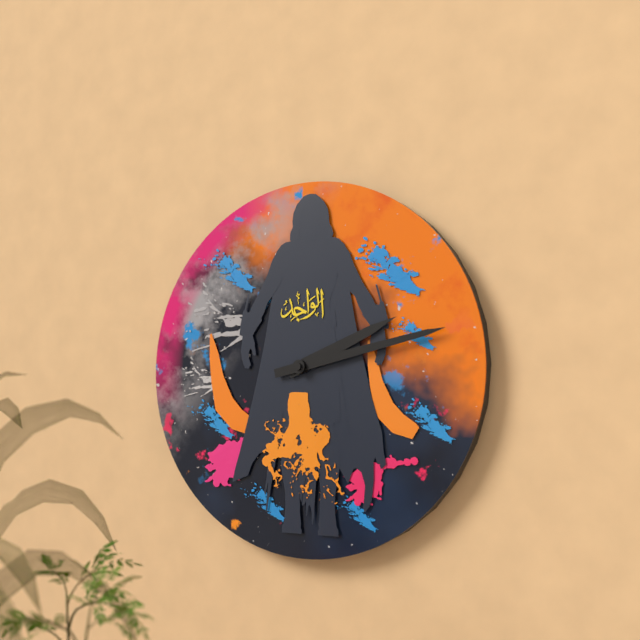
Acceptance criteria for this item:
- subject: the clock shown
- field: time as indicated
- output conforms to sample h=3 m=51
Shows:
h=2 m=13
